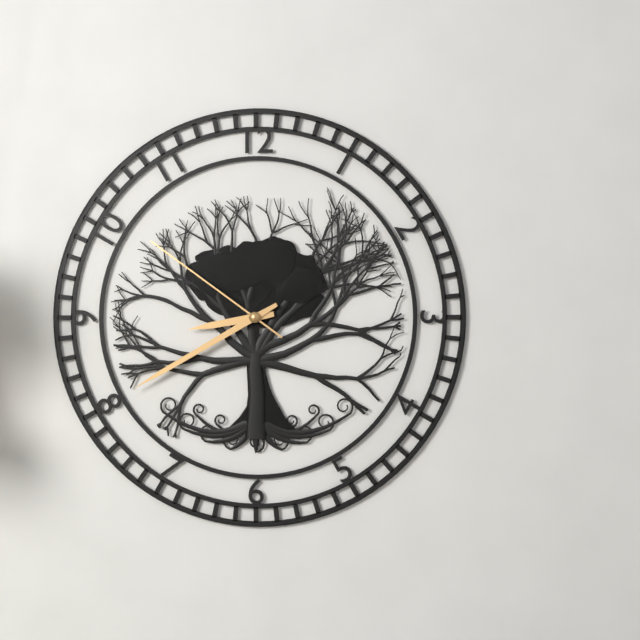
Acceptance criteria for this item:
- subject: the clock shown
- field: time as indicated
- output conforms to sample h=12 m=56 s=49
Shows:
h=8 m=40 s=51
